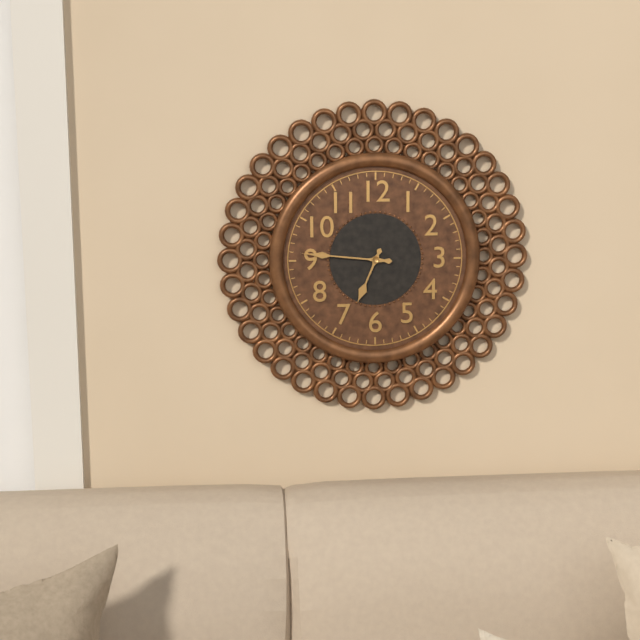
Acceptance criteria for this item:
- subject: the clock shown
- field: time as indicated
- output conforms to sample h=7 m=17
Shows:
h=6 m=46
